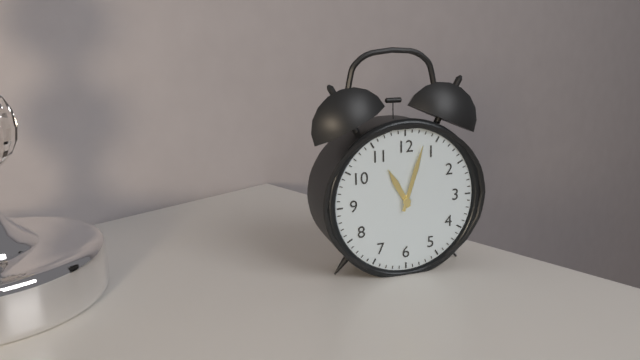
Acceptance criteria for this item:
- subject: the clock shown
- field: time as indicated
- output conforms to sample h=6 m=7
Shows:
h=11 m=3
